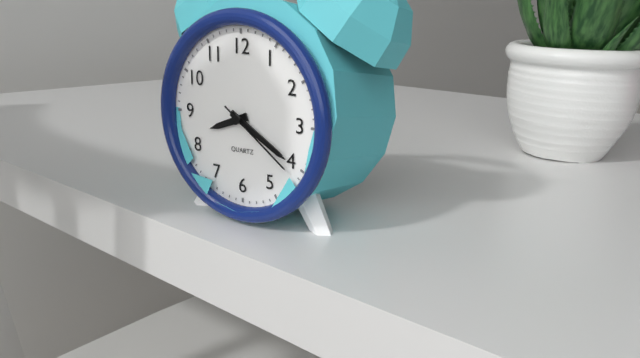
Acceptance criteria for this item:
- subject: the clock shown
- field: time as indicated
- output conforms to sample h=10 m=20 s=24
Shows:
h=8 m=20 s=21
